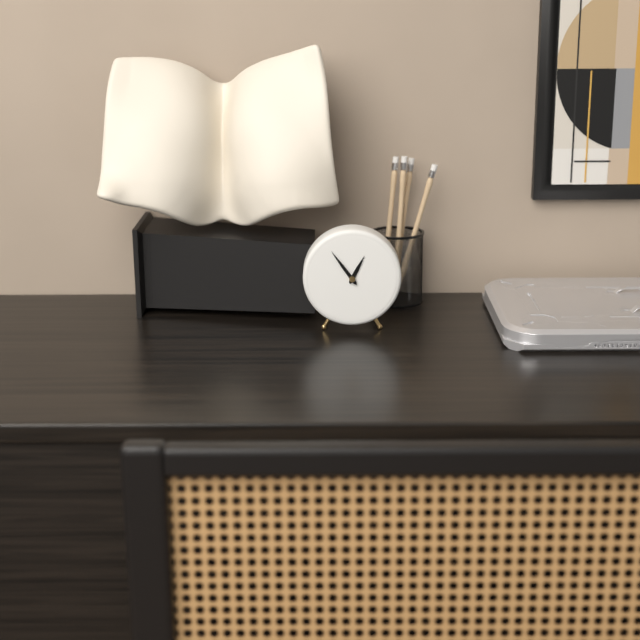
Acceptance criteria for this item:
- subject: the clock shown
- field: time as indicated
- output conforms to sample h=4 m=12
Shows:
h=12 m=54
